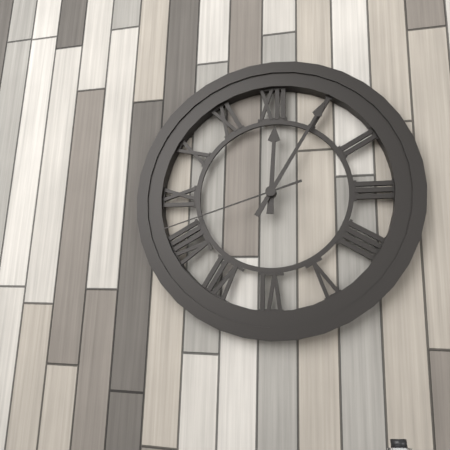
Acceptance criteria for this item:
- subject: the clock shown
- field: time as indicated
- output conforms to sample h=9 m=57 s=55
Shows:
h=12 m=5 s=42
